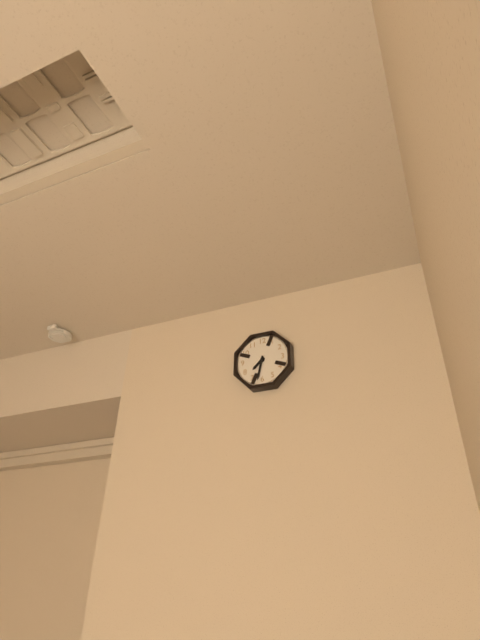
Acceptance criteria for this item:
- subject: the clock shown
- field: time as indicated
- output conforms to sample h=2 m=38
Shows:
h=7 m=32
